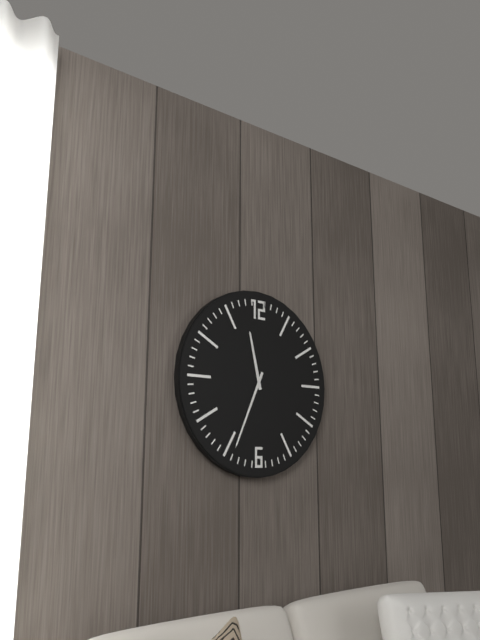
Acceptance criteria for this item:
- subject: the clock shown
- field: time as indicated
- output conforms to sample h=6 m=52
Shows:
h=11 m=34
